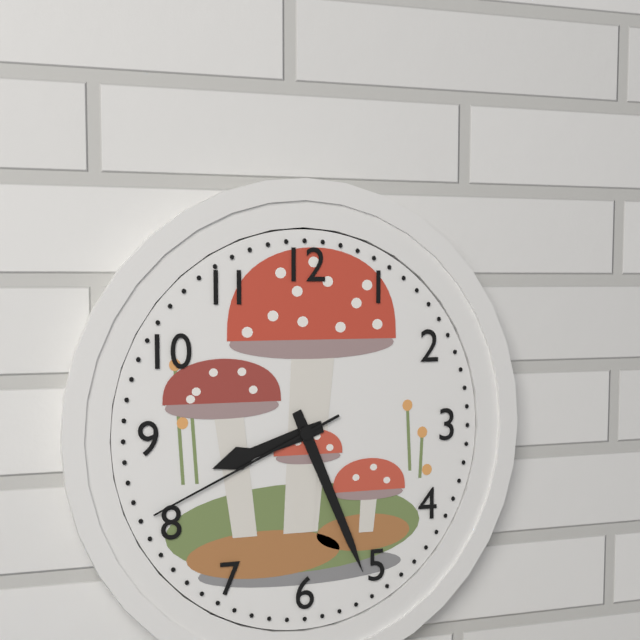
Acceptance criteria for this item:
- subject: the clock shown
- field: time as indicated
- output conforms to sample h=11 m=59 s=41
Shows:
h=8 m=26 s=41
